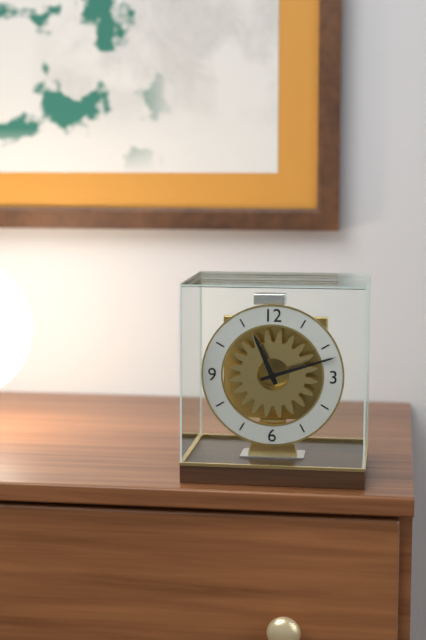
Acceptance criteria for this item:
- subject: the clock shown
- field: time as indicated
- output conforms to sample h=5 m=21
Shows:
h=11 m=12
